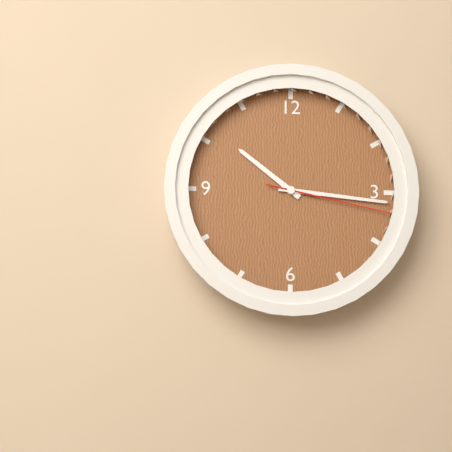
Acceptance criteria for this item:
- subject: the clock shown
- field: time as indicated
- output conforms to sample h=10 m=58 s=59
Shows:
h=10 m=16 s=17
